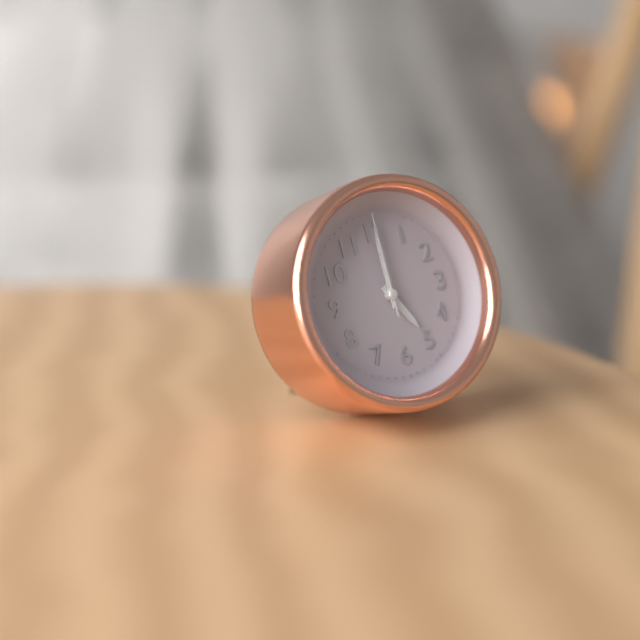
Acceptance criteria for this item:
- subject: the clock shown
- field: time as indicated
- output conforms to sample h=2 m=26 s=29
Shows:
h=5 m=0 s=0
